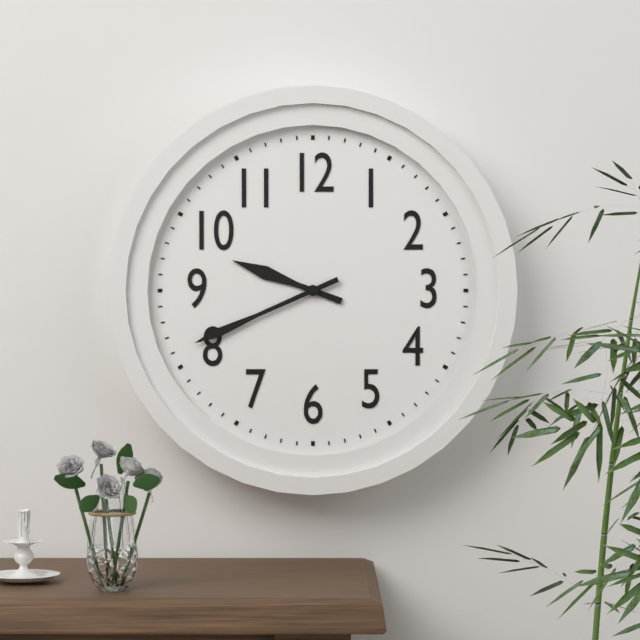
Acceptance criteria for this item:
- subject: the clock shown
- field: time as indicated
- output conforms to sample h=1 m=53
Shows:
h=9 m=41
